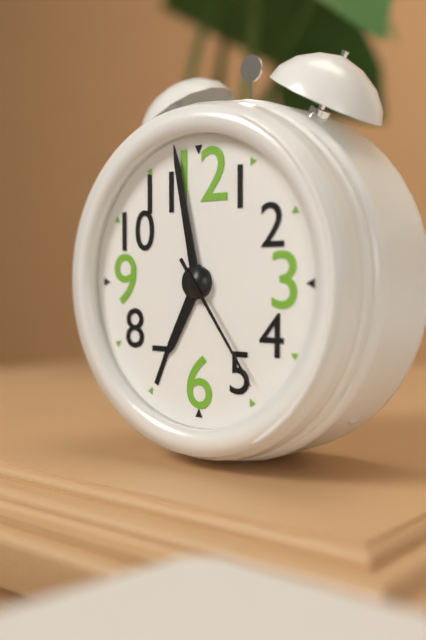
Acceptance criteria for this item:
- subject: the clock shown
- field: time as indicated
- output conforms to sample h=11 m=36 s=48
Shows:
h=6 m=58 s=24
